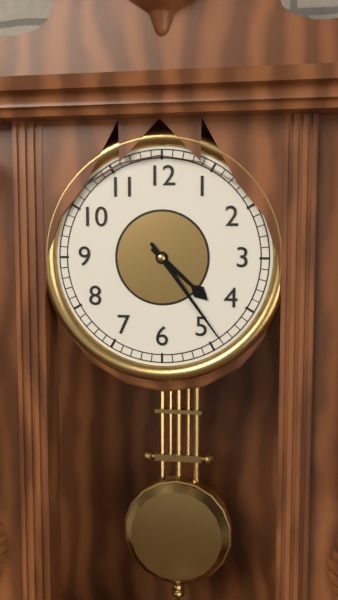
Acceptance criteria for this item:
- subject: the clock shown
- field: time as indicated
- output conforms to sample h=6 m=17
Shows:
h=4 m=24
